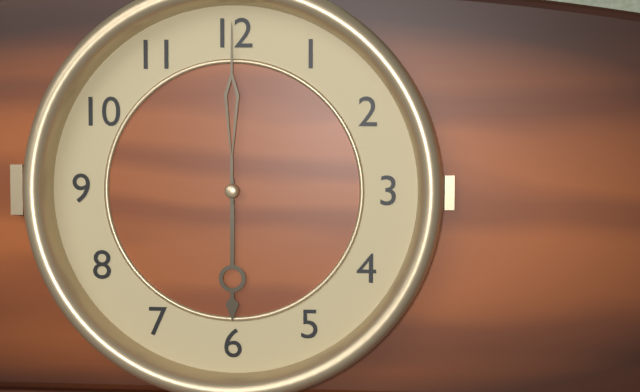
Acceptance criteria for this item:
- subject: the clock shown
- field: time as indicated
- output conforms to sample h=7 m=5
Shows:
h=6 m=0
